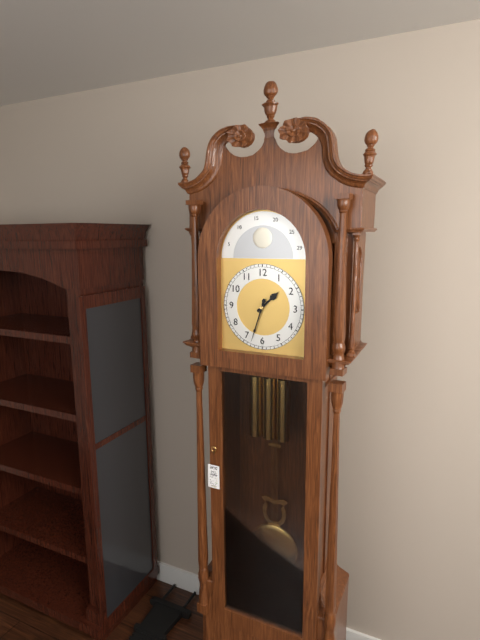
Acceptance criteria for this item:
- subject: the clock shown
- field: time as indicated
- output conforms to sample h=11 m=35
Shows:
h=1 m=33
